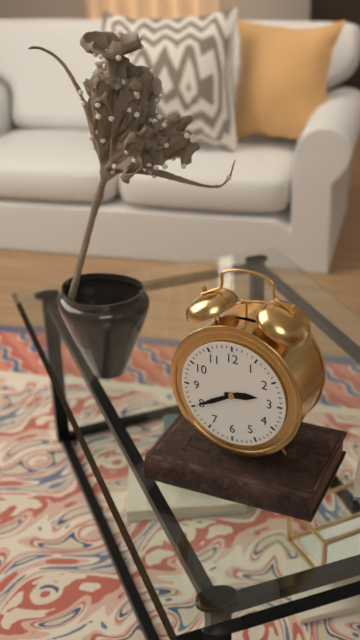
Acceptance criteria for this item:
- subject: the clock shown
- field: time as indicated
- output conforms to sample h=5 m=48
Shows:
h=2 m=40
